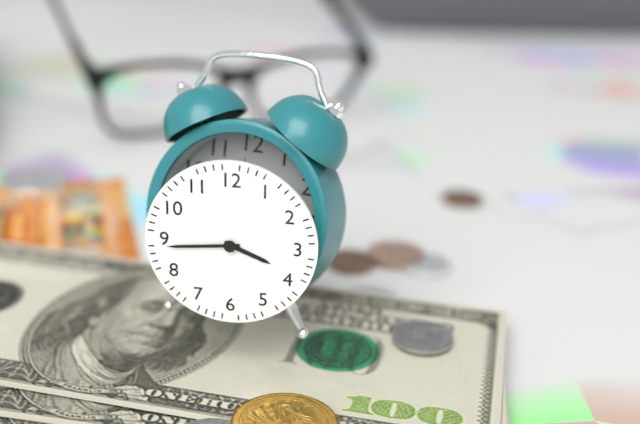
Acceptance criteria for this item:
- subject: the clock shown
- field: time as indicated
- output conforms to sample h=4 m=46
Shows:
h=3 m=44
